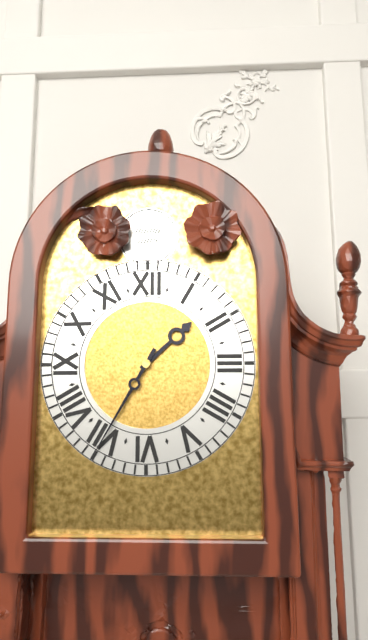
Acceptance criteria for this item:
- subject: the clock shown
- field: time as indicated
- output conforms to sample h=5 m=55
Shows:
h=1 m=35
